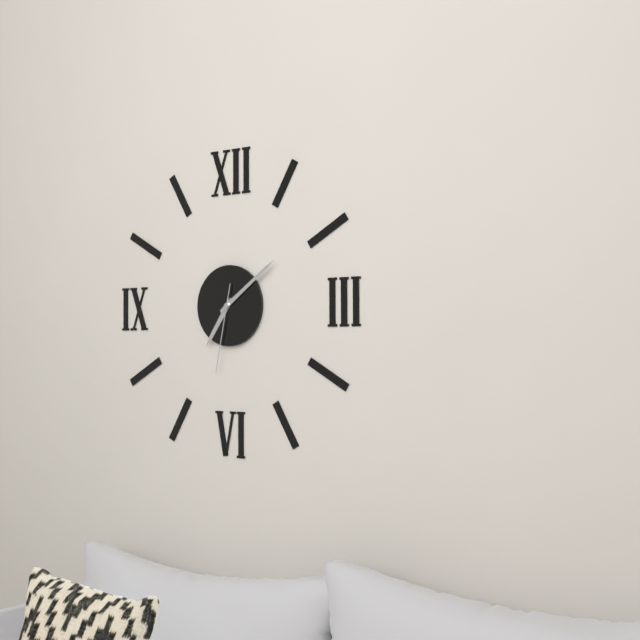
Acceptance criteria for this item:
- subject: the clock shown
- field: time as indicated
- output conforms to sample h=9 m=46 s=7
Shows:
h=7 m=9 s=32
